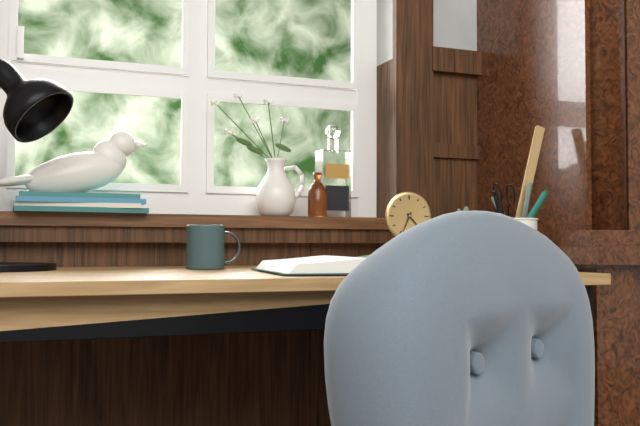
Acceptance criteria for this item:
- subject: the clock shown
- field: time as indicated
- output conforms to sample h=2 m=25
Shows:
h=4 m=34
